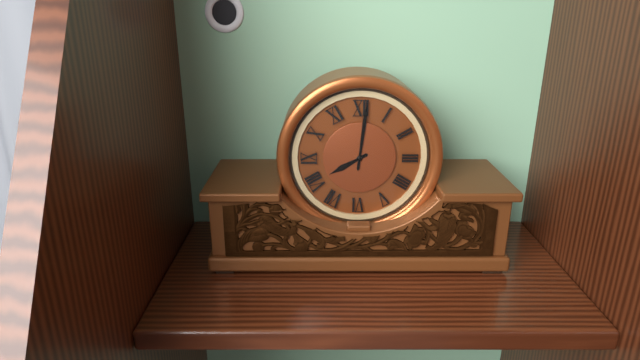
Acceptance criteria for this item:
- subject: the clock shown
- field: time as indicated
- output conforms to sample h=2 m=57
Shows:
h=8 m=1
